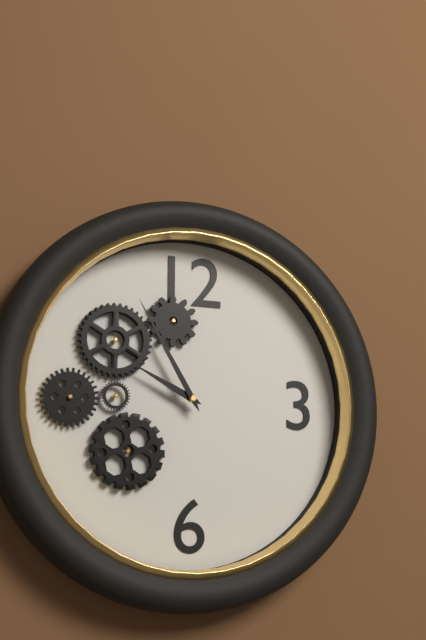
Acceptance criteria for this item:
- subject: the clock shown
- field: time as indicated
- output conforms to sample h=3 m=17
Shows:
h=9 m=55
